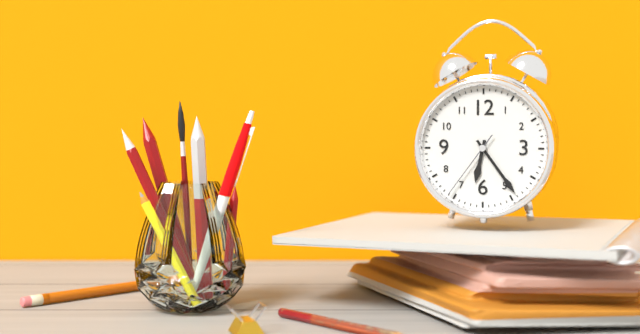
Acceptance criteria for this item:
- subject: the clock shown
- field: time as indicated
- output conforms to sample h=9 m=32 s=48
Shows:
h=6 m=24 s=36
